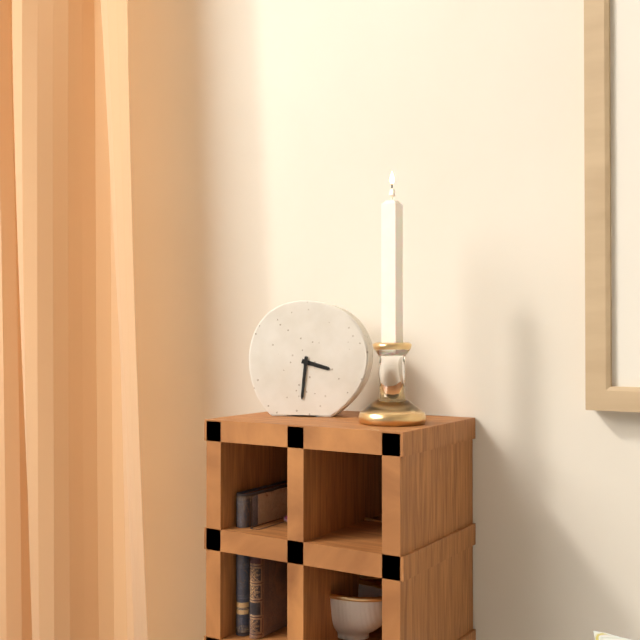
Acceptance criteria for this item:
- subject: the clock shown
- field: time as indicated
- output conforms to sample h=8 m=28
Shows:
h=3 m=31
